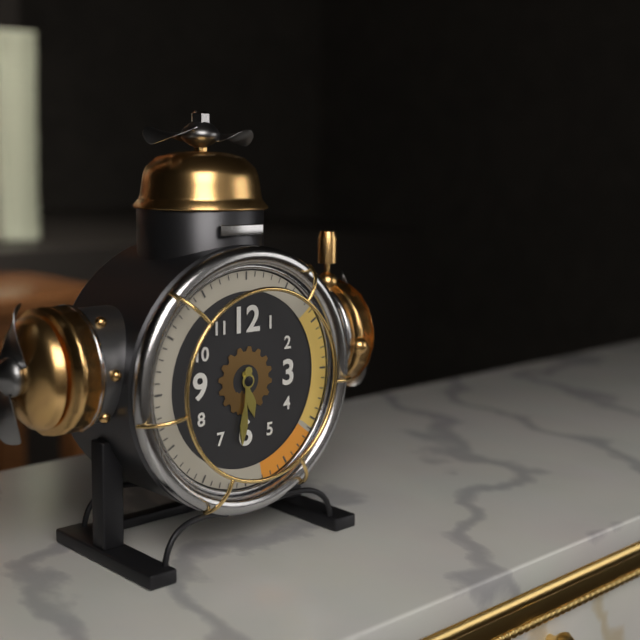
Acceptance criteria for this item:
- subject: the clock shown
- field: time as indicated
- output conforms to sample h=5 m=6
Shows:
h=5 m=31
